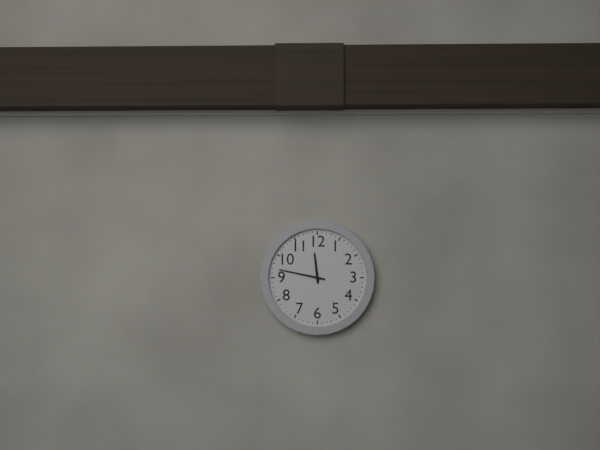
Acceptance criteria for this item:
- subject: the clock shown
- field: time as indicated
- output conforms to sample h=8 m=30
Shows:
h=11 m=47
